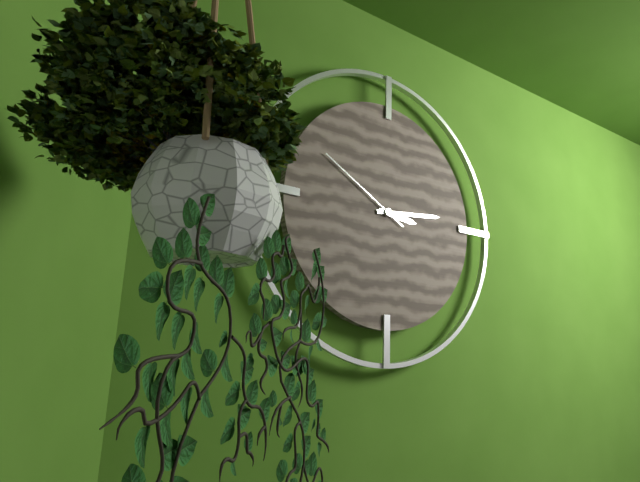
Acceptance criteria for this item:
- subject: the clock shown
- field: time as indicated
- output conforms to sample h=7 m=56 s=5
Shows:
h=3 m=14 s=50
